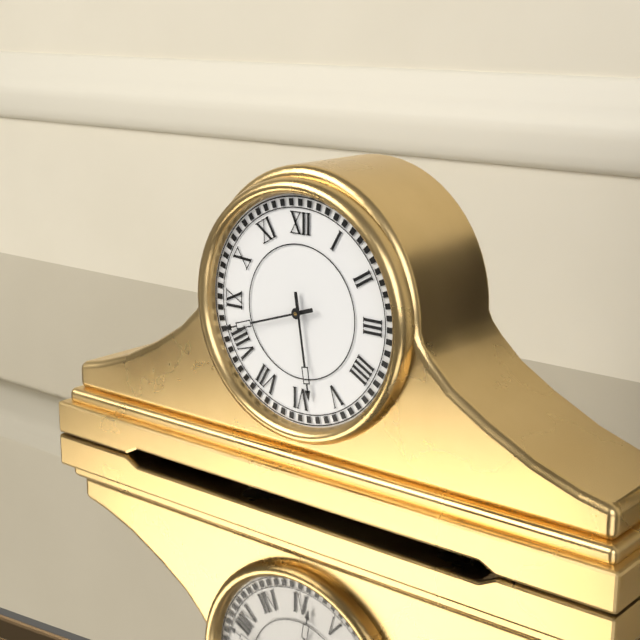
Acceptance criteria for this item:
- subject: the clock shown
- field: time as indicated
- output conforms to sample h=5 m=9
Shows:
h=5 m=42
